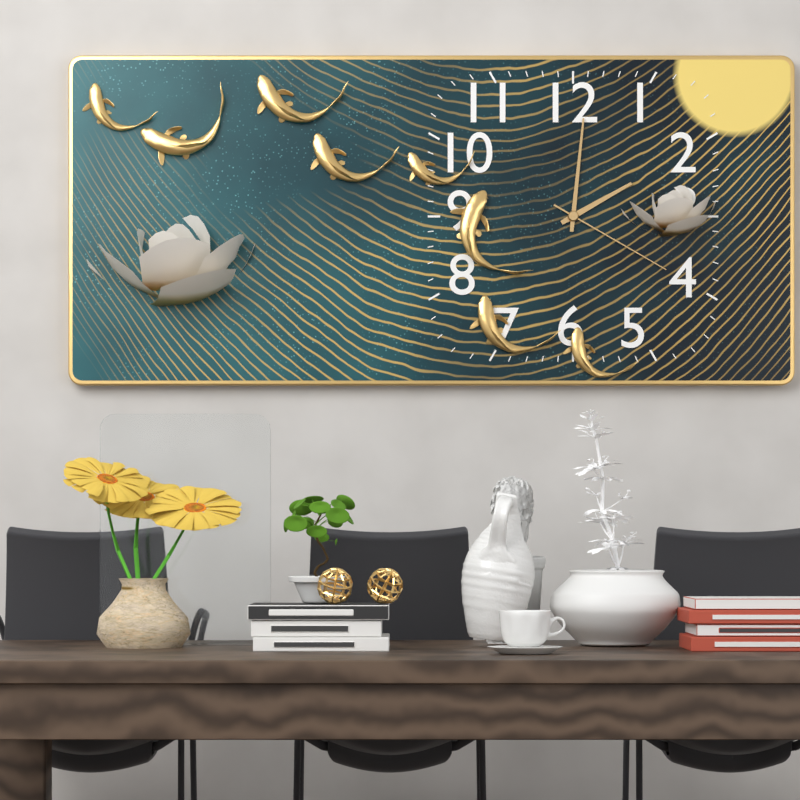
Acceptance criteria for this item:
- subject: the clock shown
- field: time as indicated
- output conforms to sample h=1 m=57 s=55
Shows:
h=2 m=1 s=20
